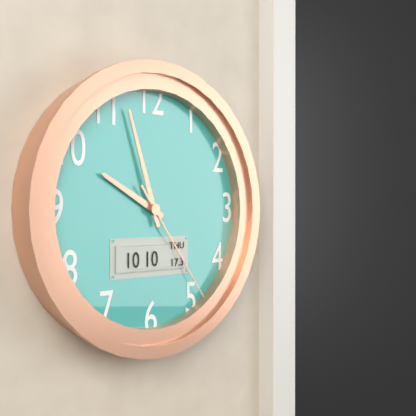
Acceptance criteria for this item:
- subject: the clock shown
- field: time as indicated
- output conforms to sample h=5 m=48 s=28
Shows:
h=9 m=57 s=24
